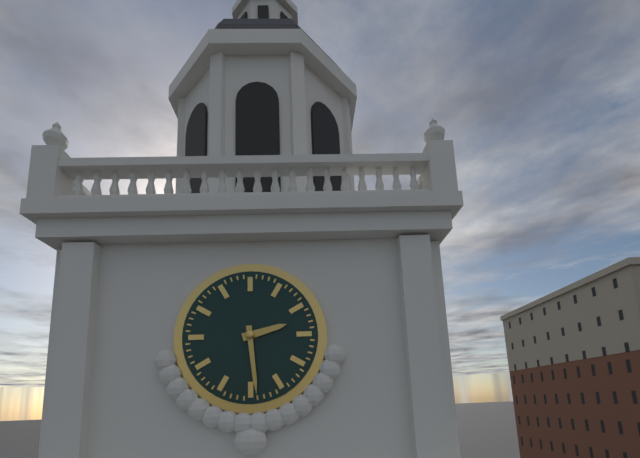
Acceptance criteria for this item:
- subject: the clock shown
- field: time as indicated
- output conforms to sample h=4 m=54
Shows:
h=2 m=29
